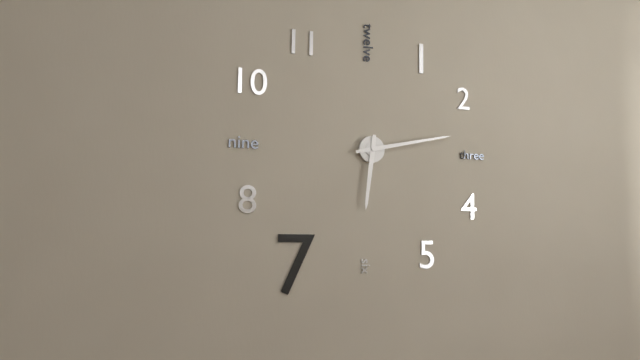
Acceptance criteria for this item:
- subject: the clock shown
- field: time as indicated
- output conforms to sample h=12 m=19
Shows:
h=6 m=13
